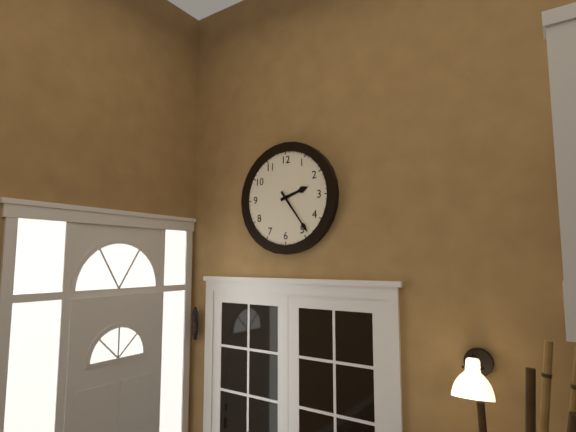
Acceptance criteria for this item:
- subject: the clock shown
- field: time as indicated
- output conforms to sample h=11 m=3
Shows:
h=2 m=24
